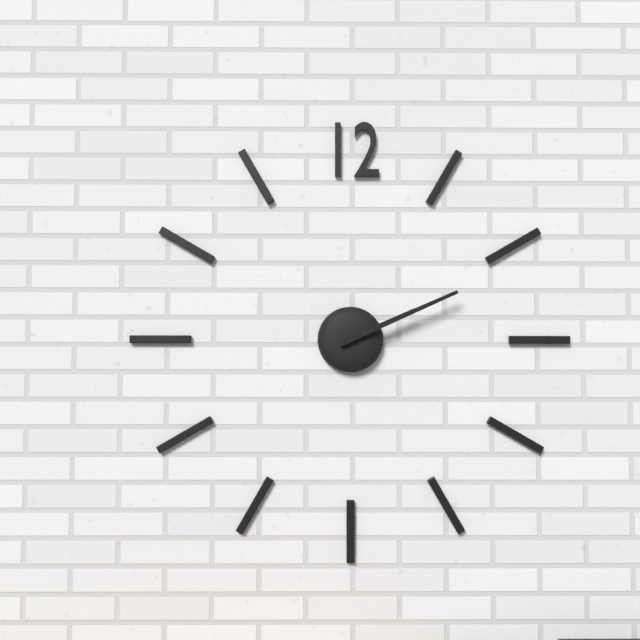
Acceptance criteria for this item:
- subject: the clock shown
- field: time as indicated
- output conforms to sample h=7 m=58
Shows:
h=2 m=11
